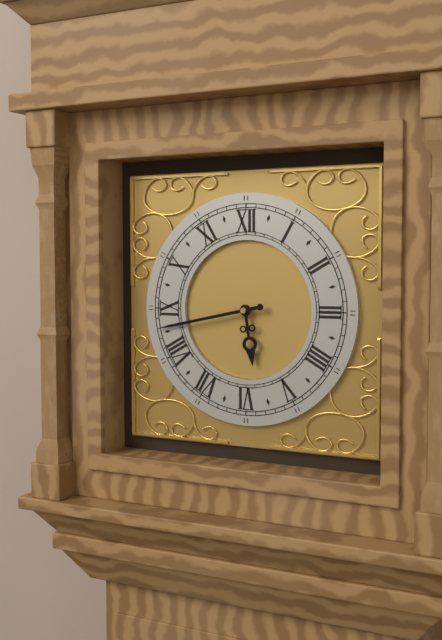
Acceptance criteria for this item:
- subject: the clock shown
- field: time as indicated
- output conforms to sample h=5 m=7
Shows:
h=5 m=43
